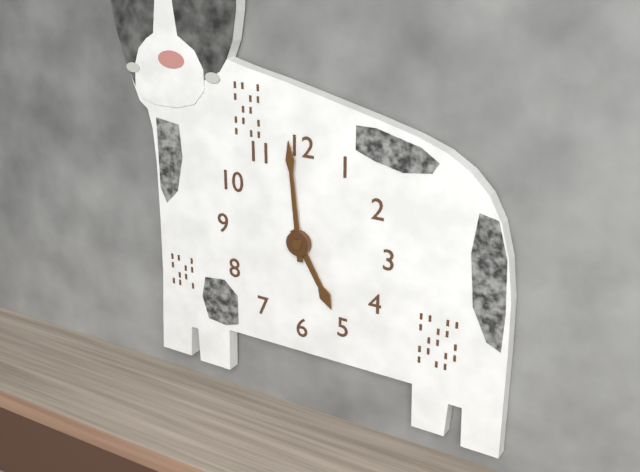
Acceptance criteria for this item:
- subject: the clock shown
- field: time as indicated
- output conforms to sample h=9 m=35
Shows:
h=4 m=59
